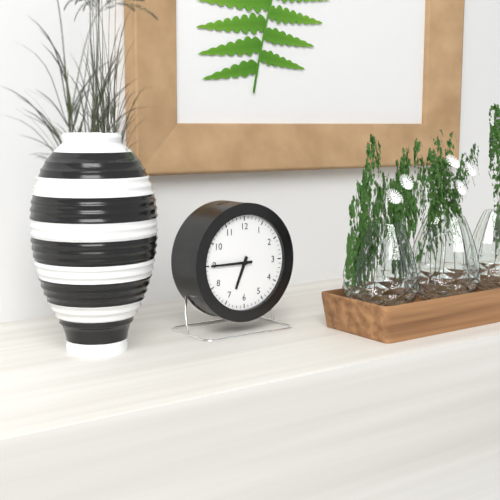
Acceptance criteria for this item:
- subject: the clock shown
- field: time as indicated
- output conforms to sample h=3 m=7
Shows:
h=6 m=45
